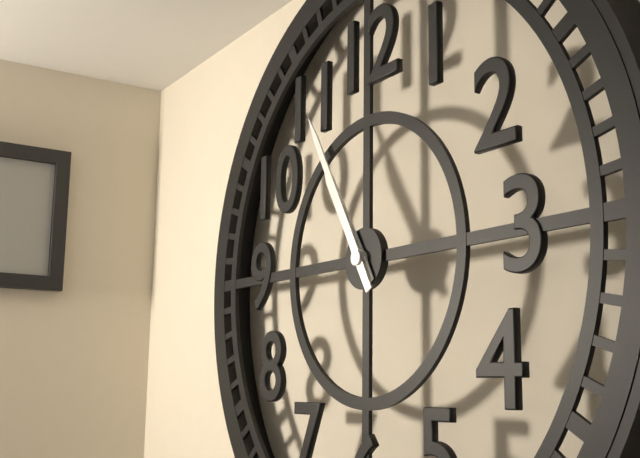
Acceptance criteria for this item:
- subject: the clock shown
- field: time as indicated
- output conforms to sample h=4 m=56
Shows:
h=10 m=55
